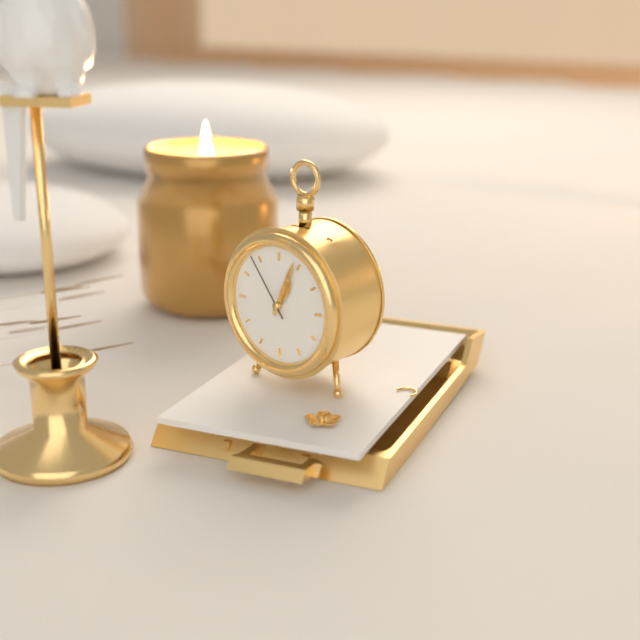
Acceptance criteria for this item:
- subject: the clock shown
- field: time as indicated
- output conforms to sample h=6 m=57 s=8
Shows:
h=1 m=4 s=54
